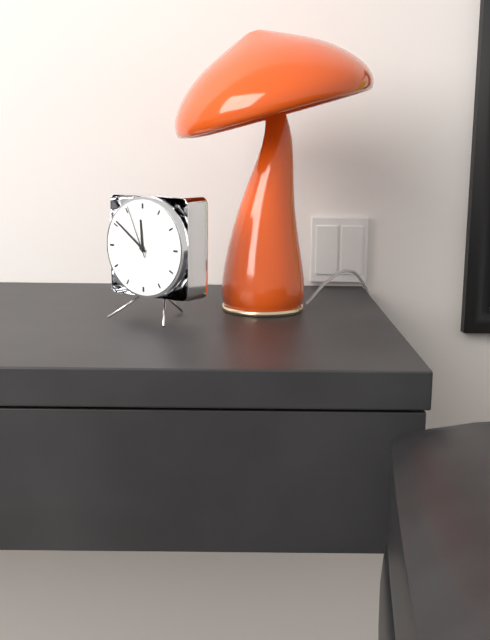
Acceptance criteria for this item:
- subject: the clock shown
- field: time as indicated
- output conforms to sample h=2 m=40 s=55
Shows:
h=11 m=51 s=56
